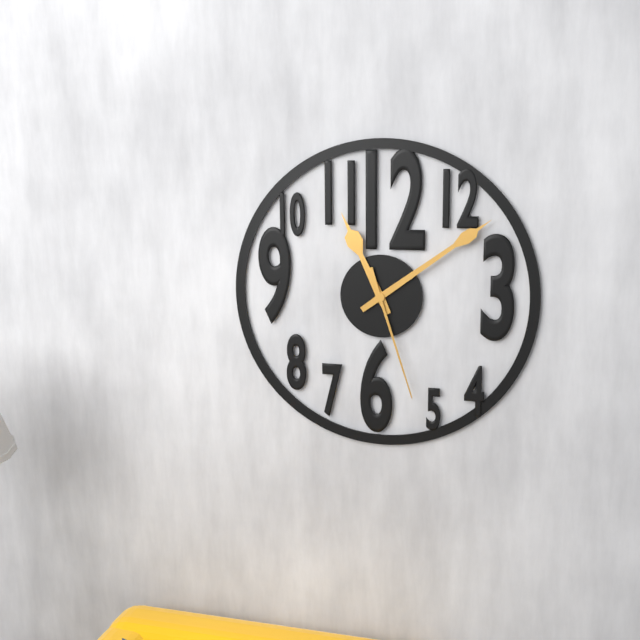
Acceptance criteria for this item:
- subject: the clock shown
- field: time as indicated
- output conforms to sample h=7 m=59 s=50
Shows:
h=11 m=9 s=27
